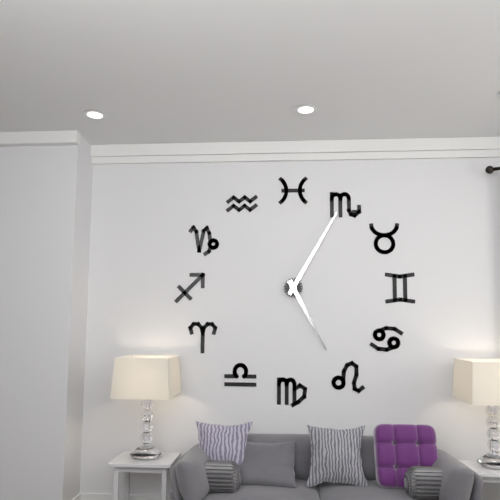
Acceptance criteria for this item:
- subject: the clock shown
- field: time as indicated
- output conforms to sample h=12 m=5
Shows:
h=5 m=5
